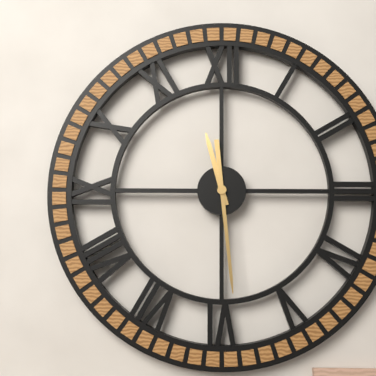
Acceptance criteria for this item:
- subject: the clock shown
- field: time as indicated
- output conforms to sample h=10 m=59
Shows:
h=11 m=29
